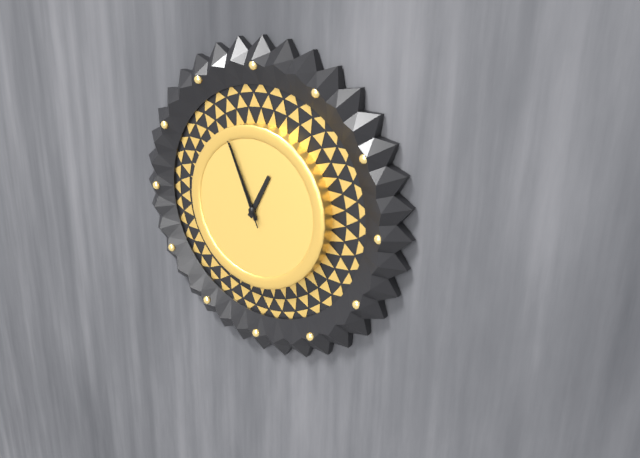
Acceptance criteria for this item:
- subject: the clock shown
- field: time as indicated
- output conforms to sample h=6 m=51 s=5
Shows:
h=12 m=56 s=56
